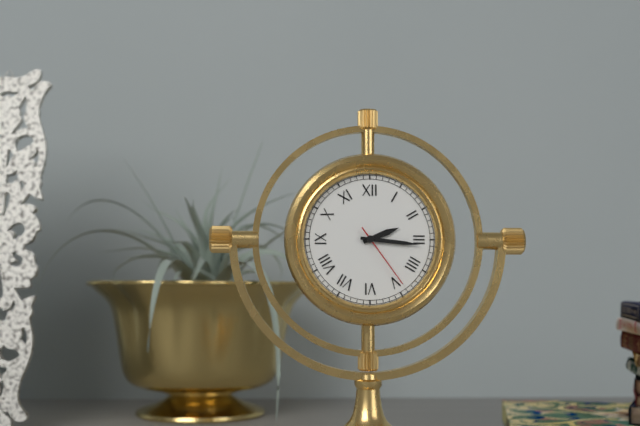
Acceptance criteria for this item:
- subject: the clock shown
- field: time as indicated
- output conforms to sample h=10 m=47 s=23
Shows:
h=2 m=16 s=24
